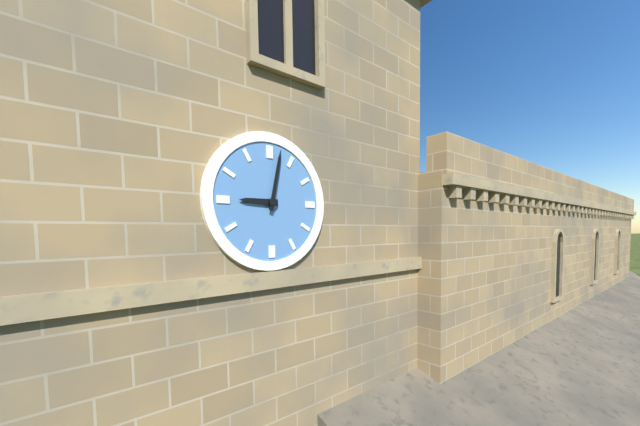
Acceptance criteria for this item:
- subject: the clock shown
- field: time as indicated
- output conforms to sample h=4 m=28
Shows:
h=9 m=2
